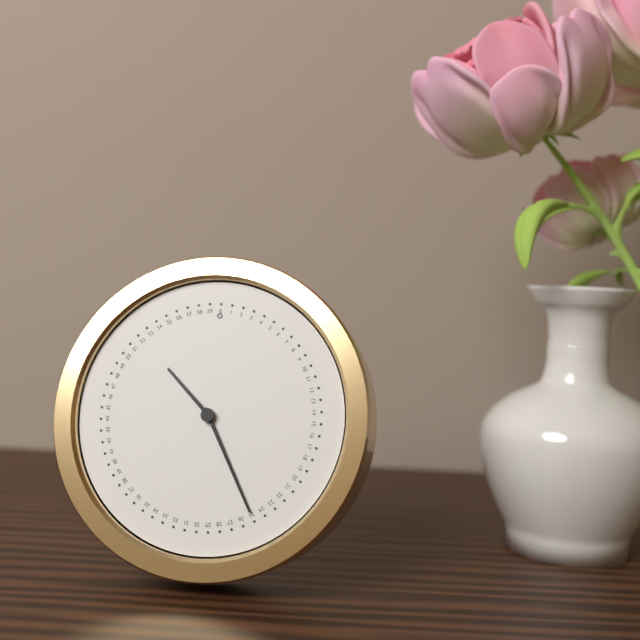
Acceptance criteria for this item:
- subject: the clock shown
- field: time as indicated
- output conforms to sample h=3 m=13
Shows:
h=10 m=25
